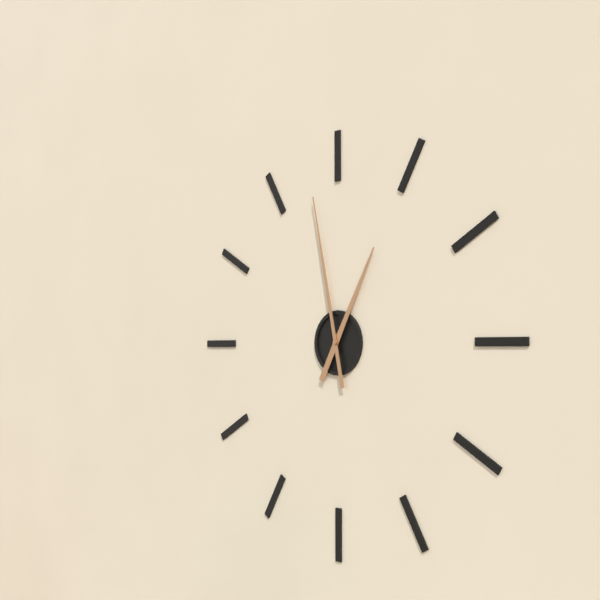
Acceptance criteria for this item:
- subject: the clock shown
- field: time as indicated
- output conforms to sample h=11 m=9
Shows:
h=12 m=58
